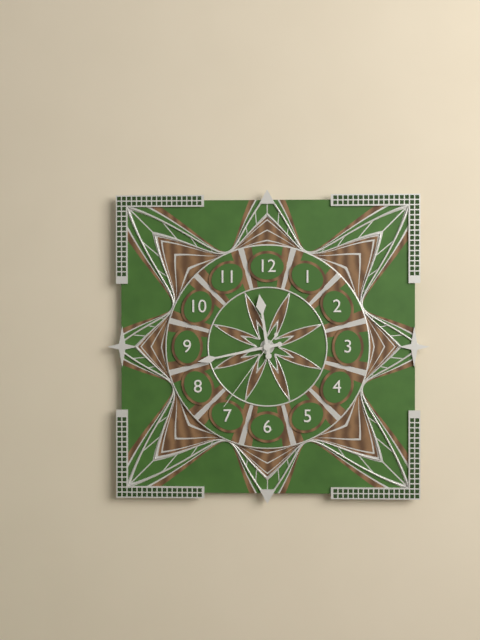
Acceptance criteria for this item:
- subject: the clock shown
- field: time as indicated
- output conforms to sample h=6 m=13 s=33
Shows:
h=11 m=43 s=36
